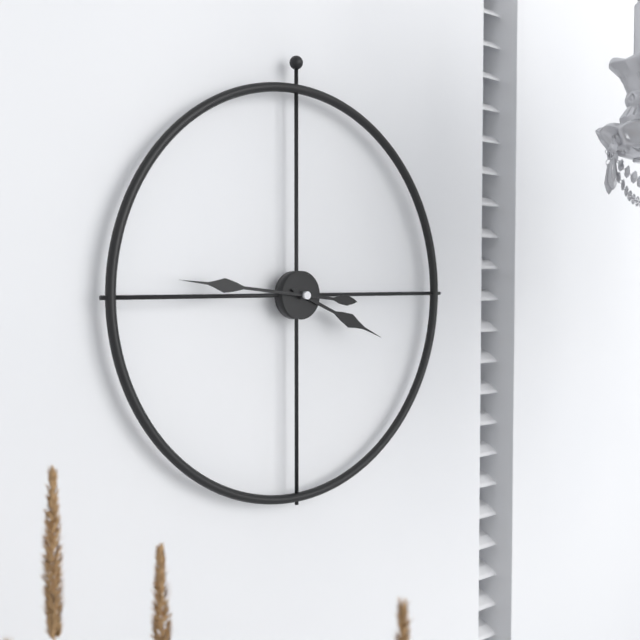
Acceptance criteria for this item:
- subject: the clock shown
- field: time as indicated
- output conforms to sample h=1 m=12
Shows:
h=3 m=46
